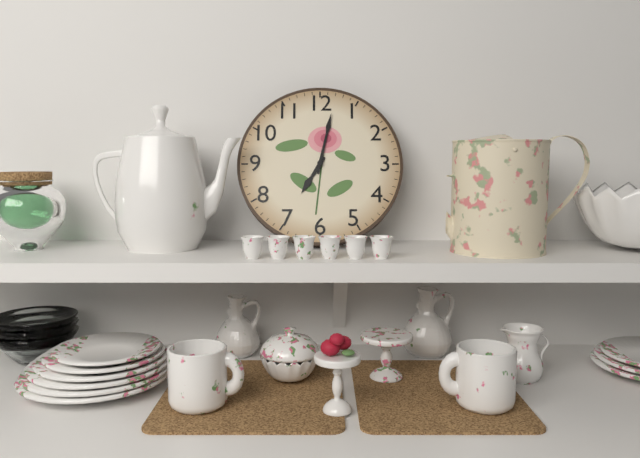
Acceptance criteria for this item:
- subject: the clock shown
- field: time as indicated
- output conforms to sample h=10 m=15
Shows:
h=7 m=2
